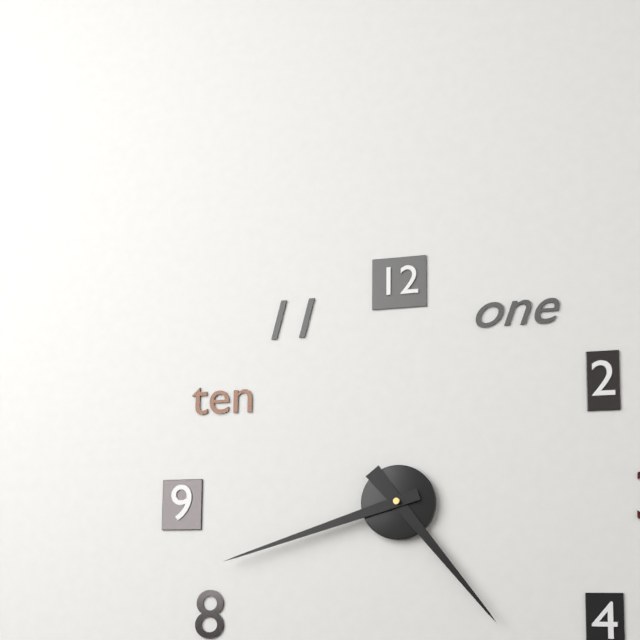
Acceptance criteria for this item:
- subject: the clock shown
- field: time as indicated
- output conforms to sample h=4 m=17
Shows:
h=4 m=42
